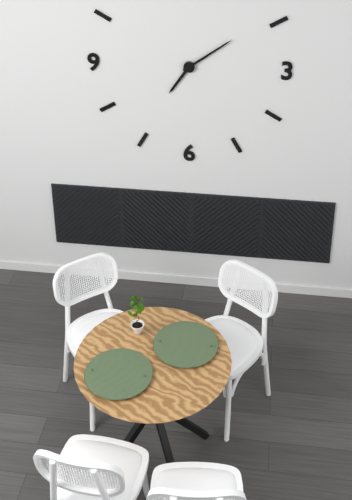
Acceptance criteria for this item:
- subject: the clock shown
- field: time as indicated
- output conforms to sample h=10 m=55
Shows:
h=7 m=9
